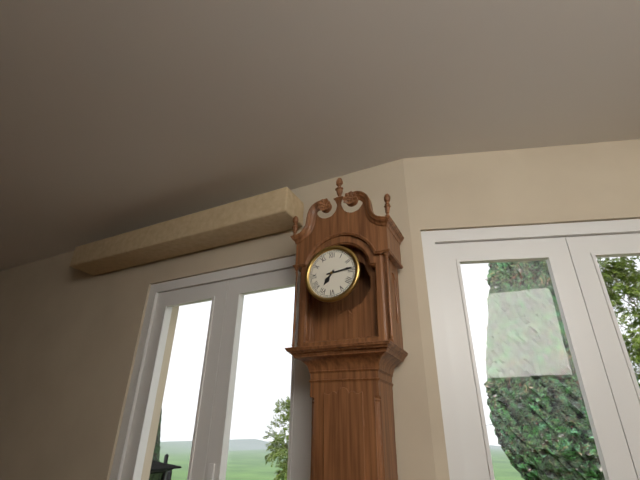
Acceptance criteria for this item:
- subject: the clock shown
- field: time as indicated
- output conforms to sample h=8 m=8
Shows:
h=7 m=14
